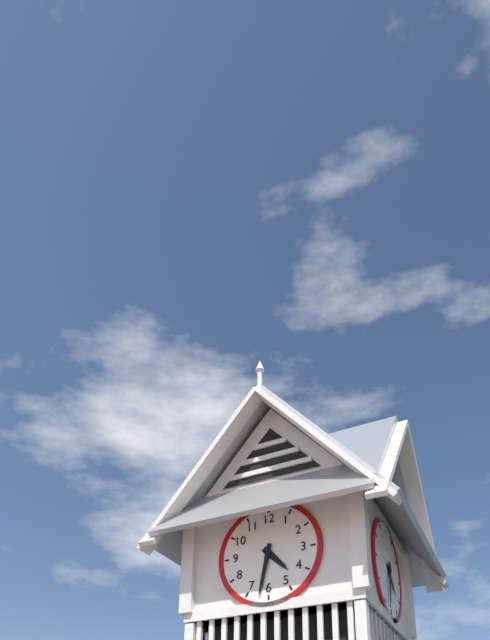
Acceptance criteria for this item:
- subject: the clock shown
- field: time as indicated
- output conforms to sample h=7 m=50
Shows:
h=4 m=32
